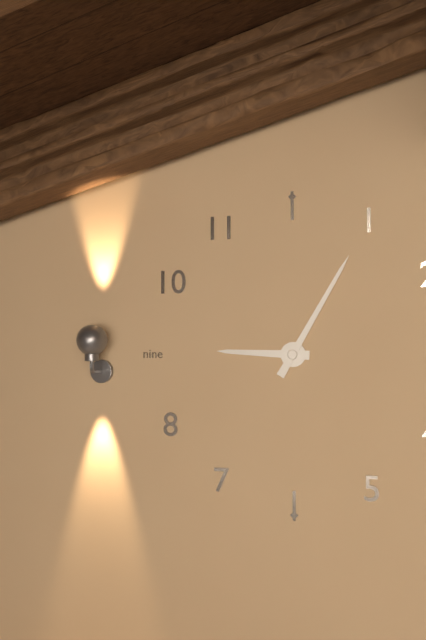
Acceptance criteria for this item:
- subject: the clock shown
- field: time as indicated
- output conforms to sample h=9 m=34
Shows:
h=9 m=5
